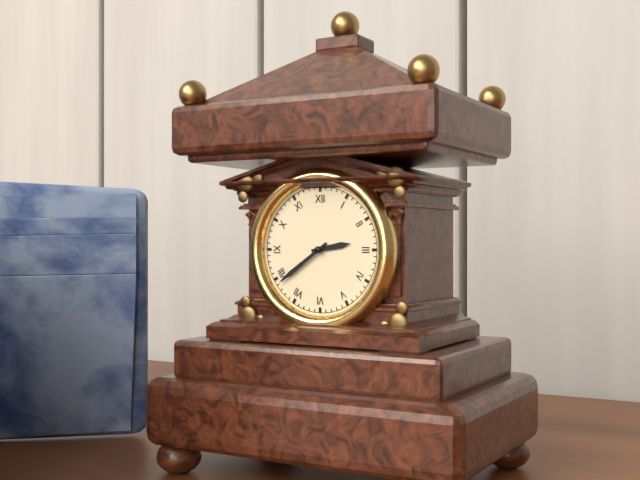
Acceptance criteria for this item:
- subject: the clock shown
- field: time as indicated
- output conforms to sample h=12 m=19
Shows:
h=2 m=39
